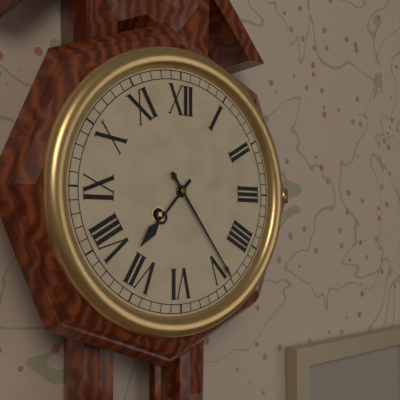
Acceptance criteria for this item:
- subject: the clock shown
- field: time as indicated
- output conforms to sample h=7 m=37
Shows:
h=7 m=24
